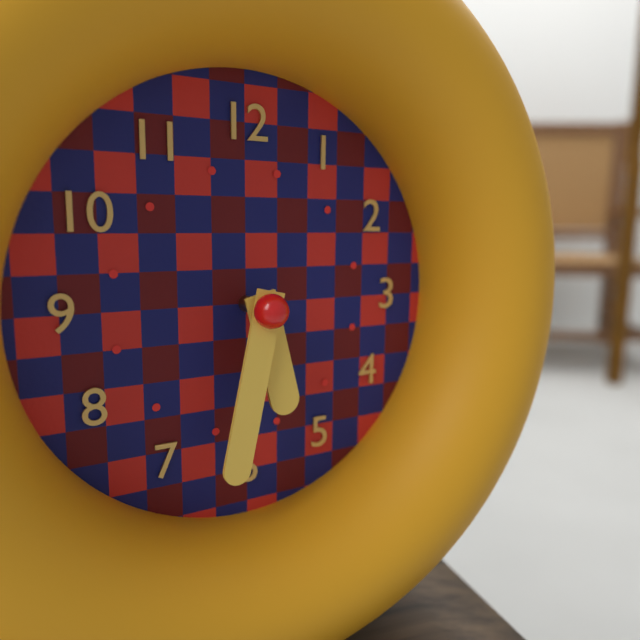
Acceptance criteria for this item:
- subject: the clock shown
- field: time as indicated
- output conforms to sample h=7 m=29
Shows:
h=5 m=32
